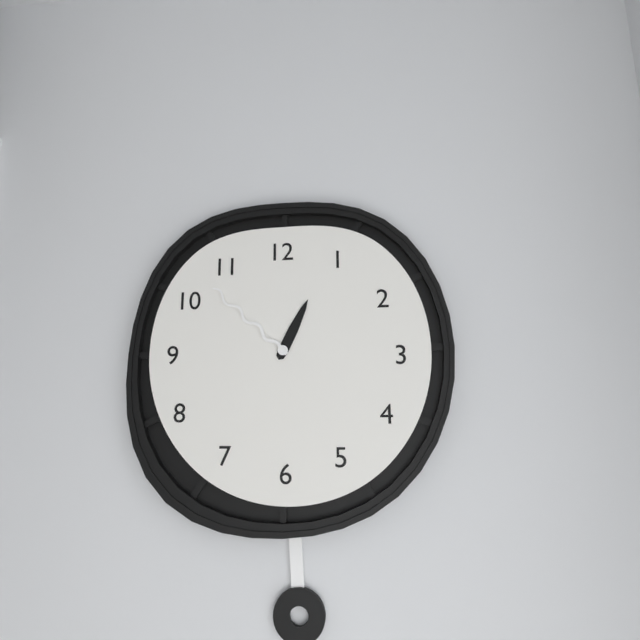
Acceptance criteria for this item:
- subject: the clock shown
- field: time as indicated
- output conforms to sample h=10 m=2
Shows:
h=12 m=52
